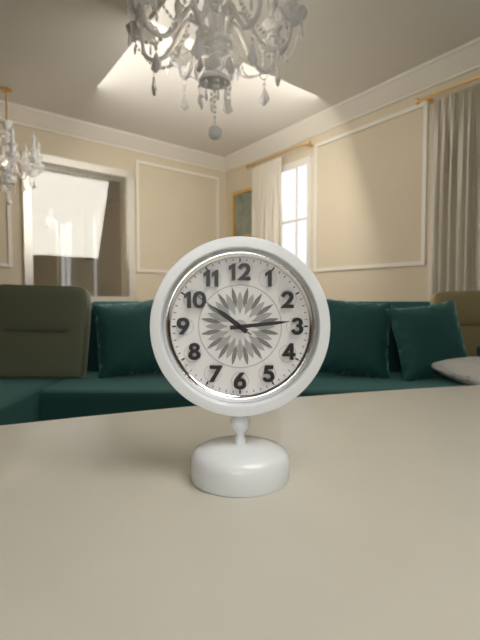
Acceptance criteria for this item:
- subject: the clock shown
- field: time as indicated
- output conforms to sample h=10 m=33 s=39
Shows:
h=10 m=14 s=51
